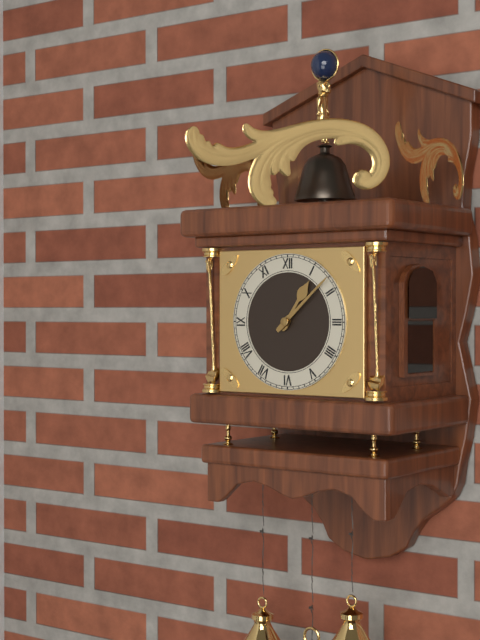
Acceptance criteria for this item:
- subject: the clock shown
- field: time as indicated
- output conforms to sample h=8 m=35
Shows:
h=1 m=8
